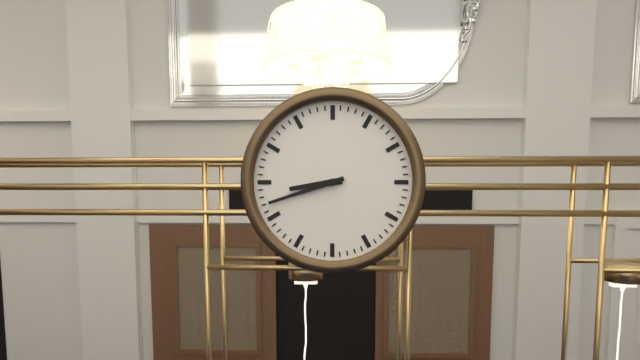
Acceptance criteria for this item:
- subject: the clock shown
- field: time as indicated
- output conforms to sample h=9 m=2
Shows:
h=8 m=42
